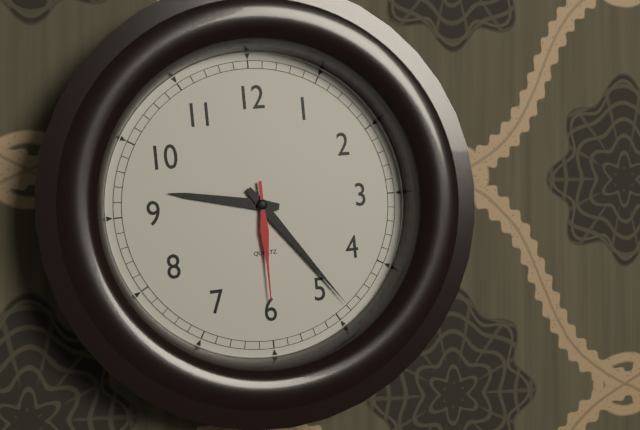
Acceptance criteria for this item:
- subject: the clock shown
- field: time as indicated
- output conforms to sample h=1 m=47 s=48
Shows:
h=9 m=24 s=30
